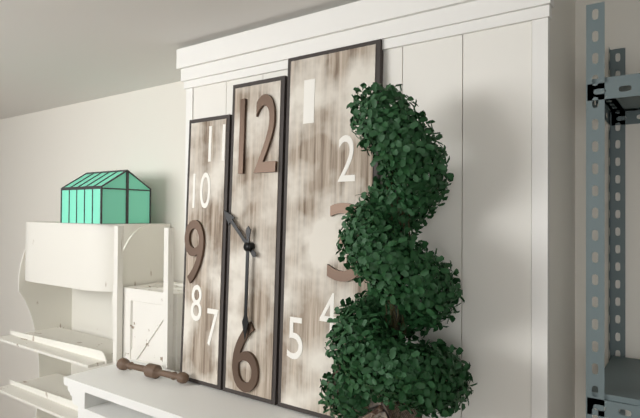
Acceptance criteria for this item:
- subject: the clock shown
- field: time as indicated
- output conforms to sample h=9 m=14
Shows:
h=10 m=30
